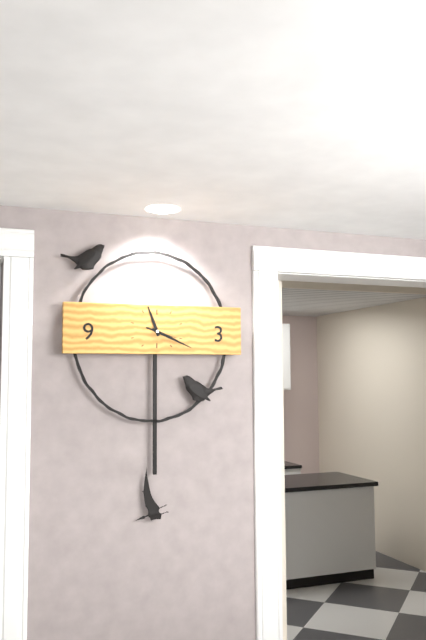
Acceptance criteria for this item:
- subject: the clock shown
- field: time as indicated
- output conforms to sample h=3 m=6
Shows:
h=11 m=19
